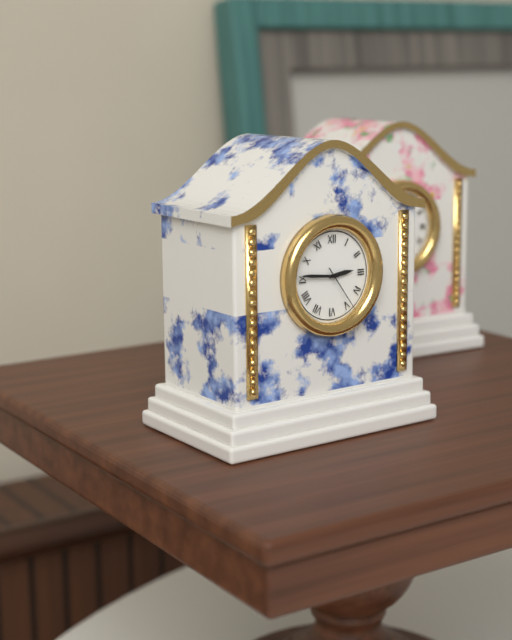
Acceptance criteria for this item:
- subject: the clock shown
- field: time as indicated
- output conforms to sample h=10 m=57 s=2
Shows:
h=2 m=46 s=24
